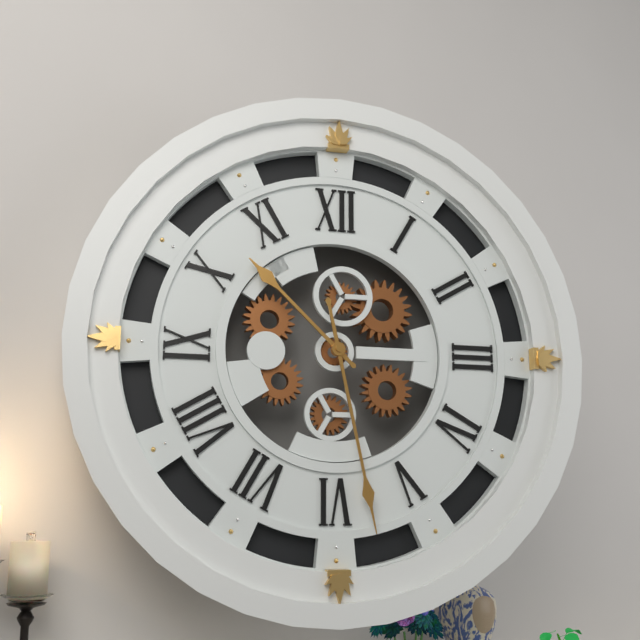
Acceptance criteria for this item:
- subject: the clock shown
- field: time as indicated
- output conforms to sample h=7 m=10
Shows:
h=10 m=28
